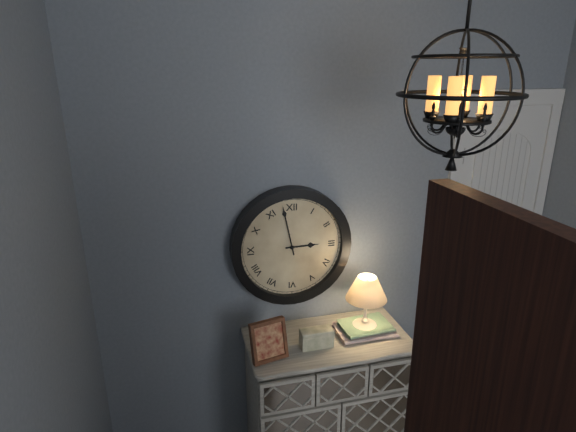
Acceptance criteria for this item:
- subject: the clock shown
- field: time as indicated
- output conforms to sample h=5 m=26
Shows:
h=2 m=58
